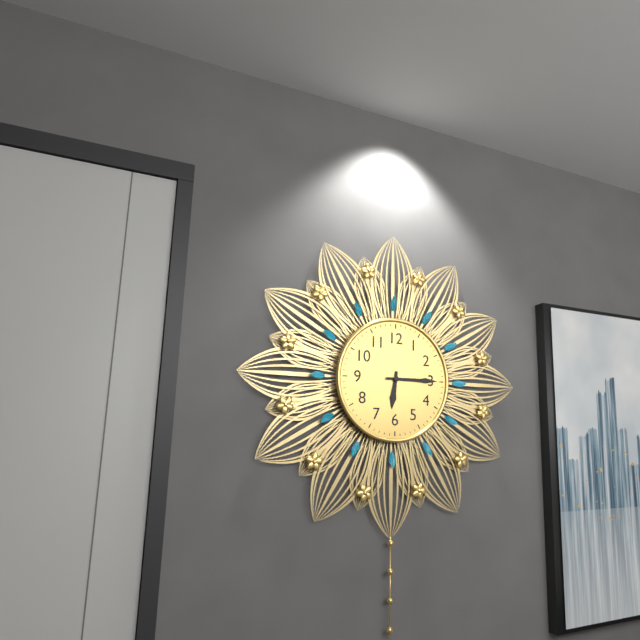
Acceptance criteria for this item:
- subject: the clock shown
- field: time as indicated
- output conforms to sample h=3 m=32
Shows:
h=6 m=15
